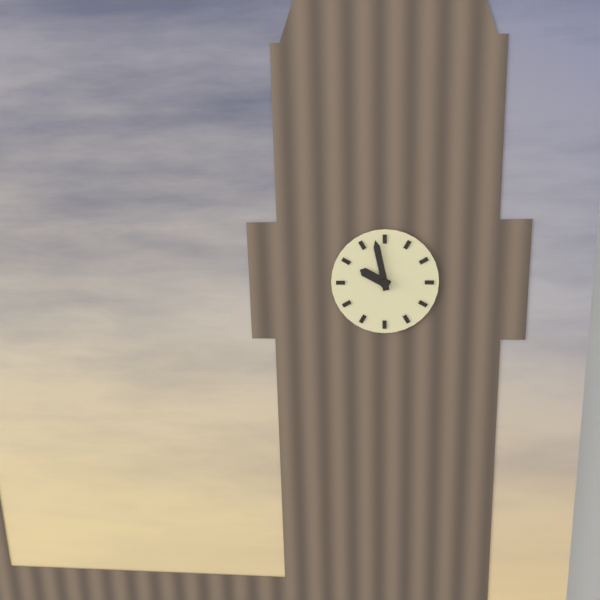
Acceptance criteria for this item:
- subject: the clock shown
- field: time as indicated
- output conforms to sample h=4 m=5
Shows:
h=9 m=58
